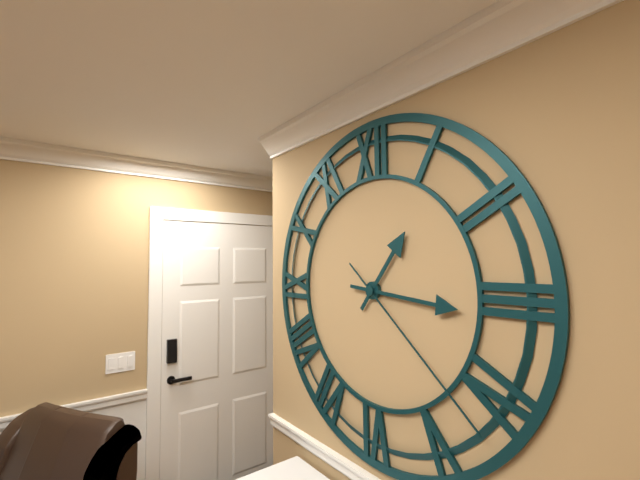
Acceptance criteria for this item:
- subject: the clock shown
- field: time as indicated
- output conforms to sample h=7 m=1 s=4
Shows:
h=1 m=16 s=22
